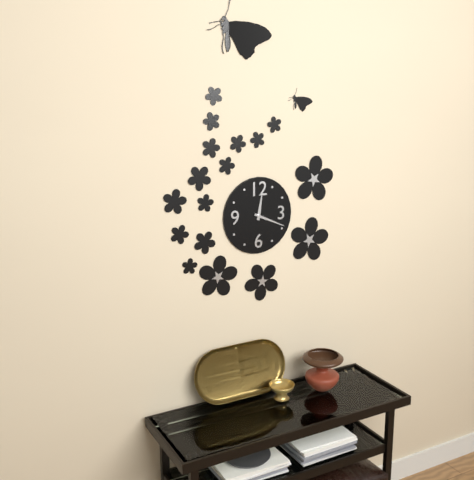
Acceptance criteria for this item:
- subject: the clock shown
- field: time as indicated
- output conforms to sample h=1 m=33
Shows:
h=12 m=19
